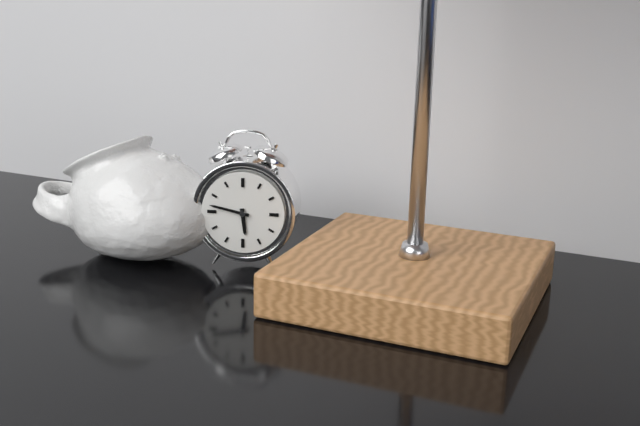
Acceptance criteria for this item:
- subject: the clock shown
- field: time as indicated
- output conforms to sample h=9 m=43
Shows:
h=5 m=47
